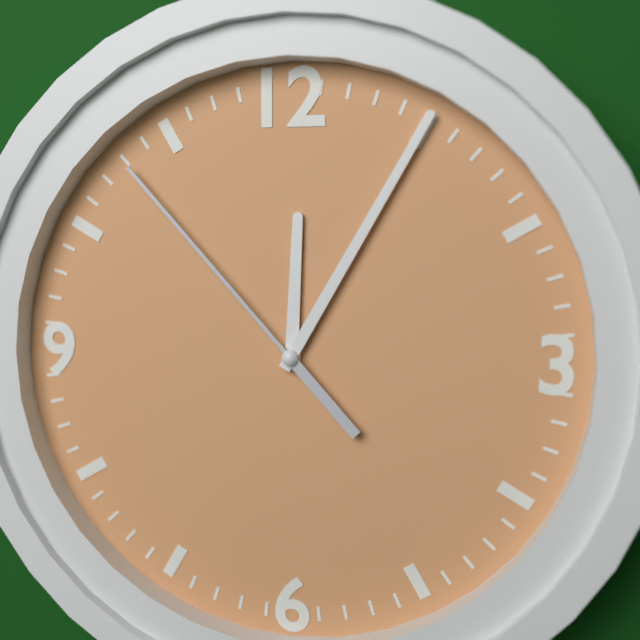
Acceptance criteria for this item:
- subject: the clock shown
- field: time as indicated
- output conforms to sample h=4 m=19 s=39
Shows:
h=12 m=5 s=53
